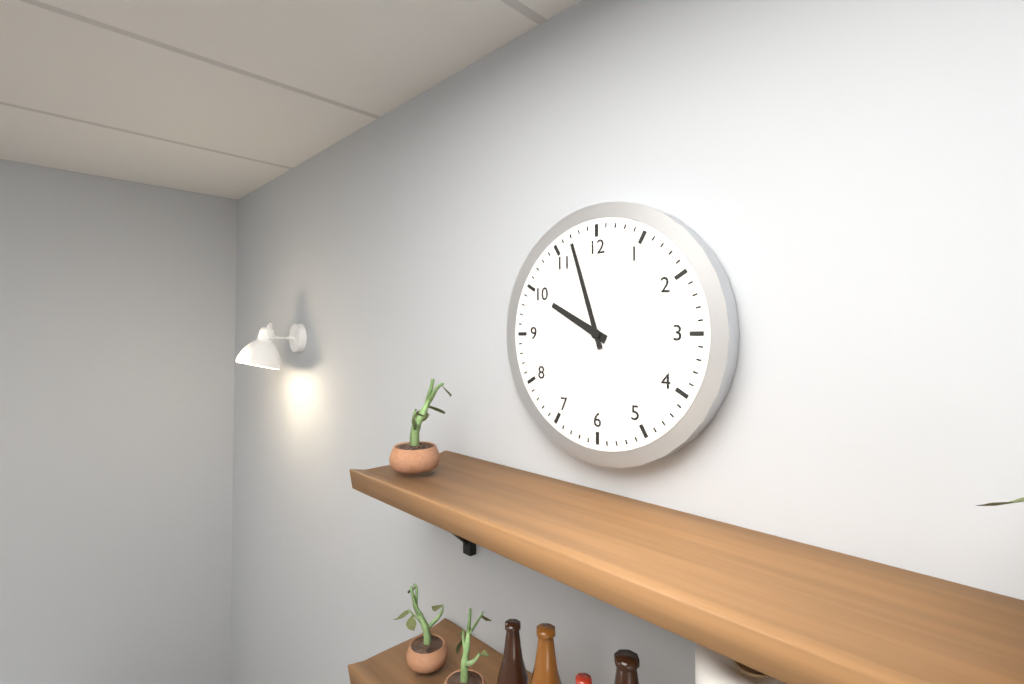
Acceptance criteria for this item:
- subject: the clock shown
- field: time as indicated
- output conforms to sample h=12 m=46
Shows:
h=9 m=57
